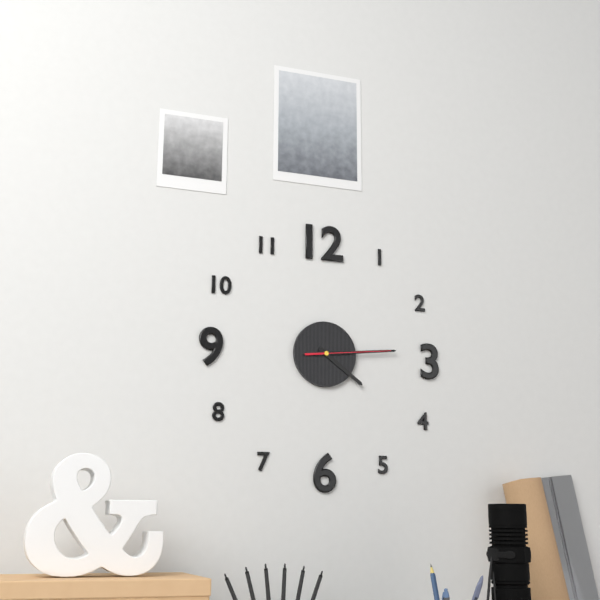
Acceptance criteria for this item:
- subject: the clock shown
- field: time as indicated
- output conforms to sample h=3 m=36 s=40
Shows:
h=4 m=14 s=14
